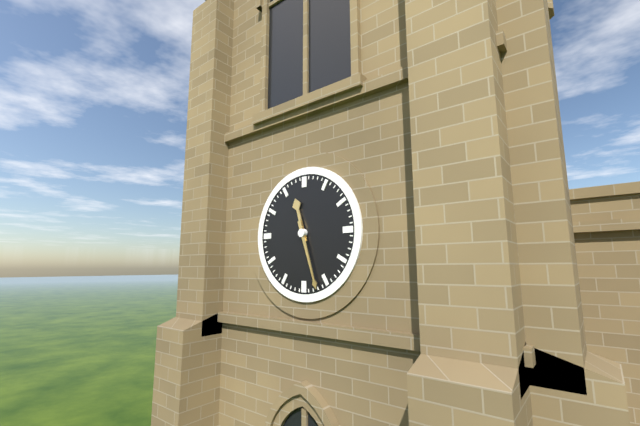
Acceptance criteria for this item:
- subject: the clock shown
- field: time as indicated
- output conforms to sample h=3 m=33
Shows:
h=11 m=27
